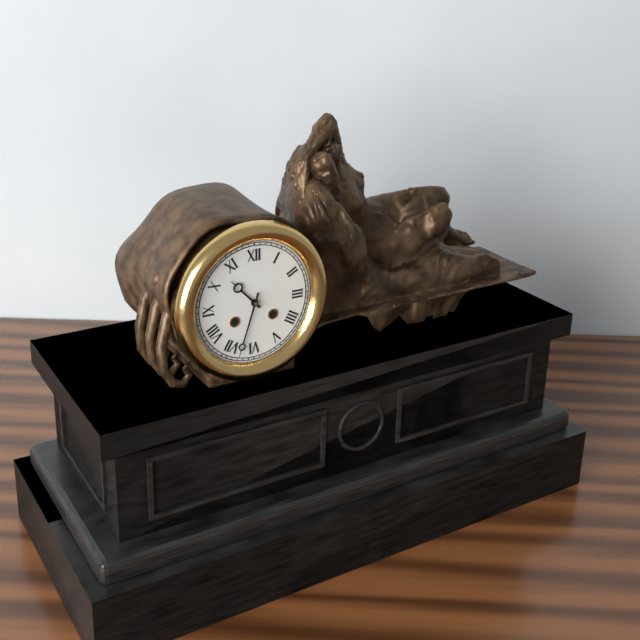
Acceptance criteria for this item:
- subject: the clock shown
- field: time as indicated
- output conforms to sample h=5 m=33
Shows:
h=10 m=33
